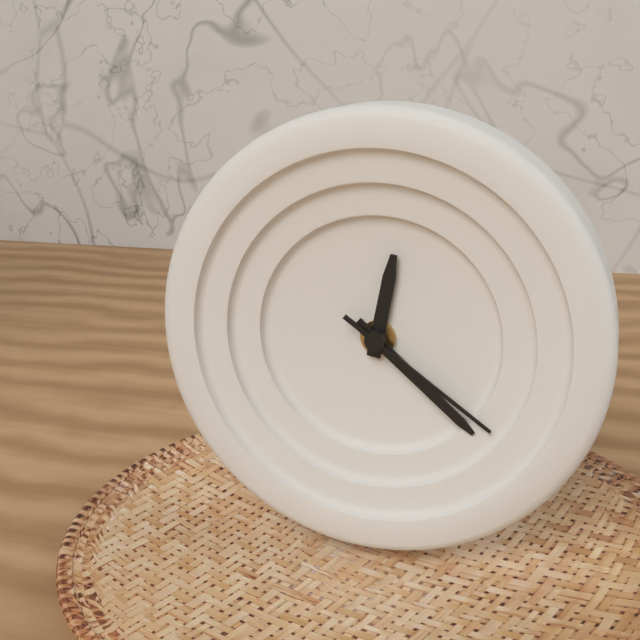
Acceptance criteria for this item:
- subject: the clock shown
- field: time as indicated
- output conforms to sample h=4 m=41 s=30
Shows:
h=12 m=22 s=21
